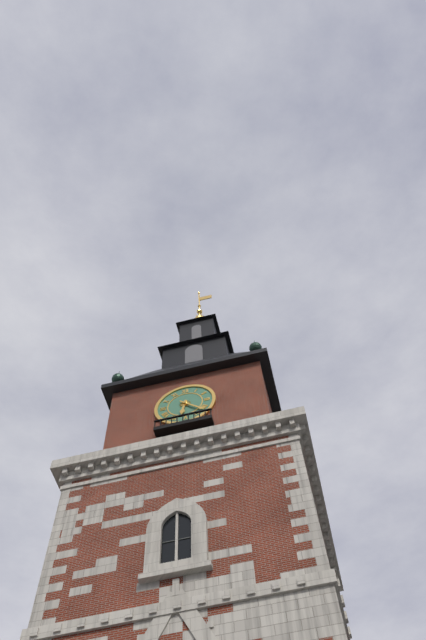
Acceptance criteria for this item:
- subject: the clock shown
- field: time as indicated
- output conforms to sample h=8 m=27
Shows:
h=6 m=22
